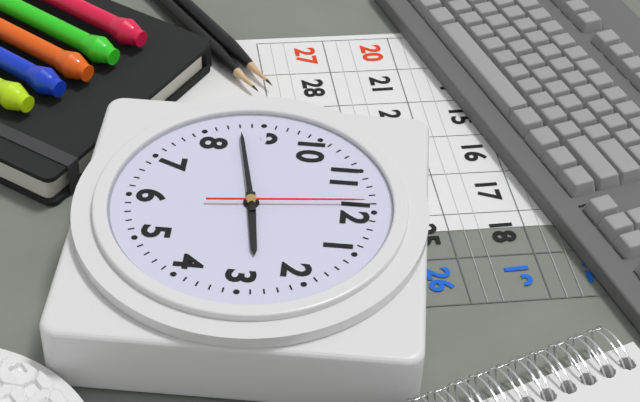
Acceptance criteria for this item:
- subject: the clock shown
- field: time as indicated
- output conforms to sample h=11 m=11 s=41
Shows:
h=2 m=43 s=59
